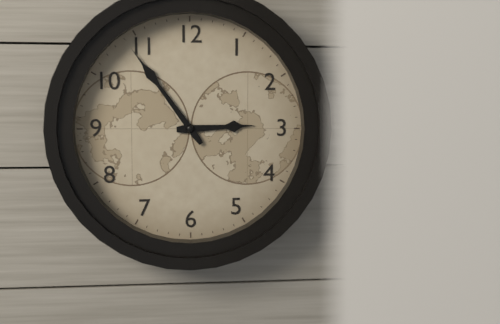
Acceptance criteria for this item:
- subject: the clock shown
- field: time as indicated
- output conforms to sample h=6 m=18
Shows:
h=2 m=54
